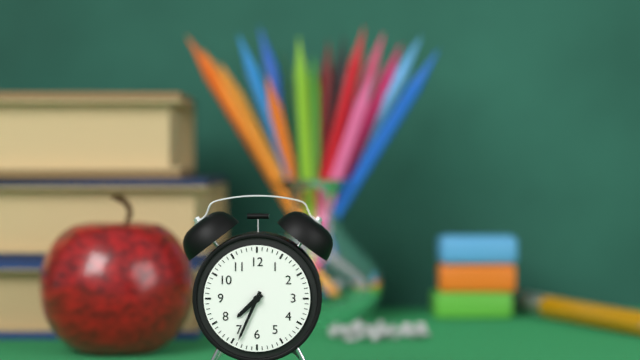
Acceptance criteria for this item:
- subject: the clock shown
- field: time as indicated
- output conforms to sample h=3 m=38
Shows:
h=7 m=34
